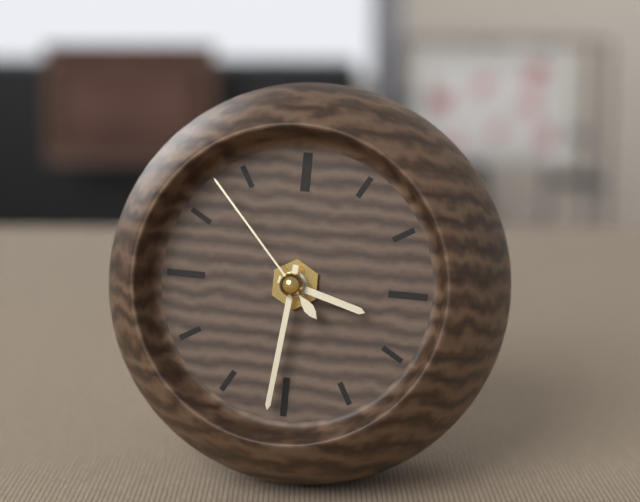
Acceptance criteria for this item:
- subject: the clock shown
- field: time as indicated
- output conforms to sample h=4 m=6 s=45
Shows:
h=3 m=31 s=53
